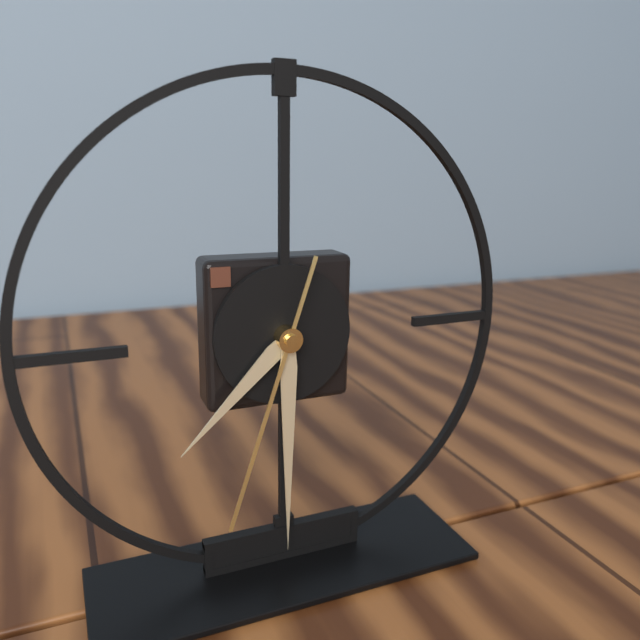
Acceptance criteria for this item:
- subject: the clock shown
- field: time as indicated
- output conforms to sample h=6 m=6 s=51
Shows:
h=7 m=30 s=33
